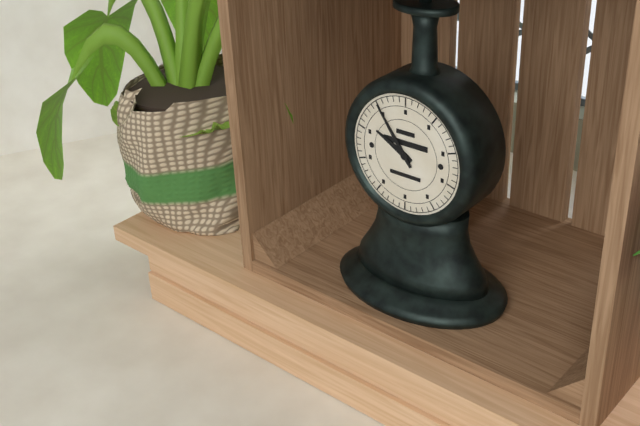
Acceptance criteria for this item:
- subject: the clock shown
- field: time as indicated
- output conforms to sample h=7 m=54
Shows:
h=9 m=54
